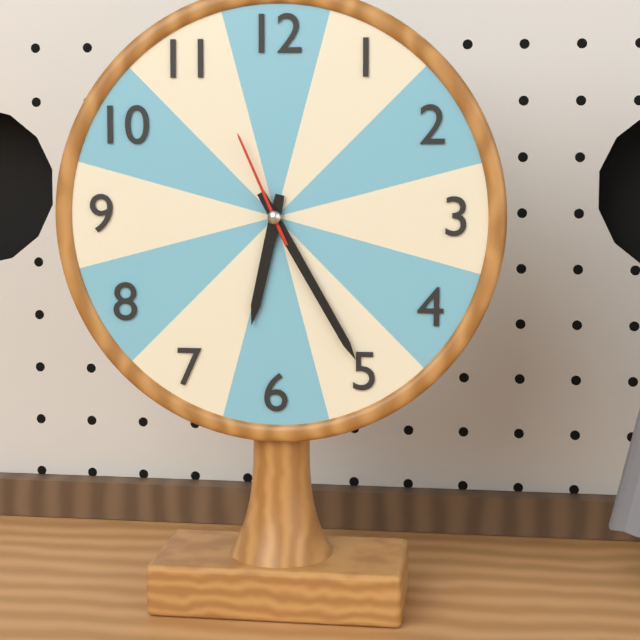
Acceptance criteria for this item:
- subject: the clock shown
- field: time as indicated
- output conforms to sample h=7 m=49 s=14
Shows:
h=6 m=25 s=56
